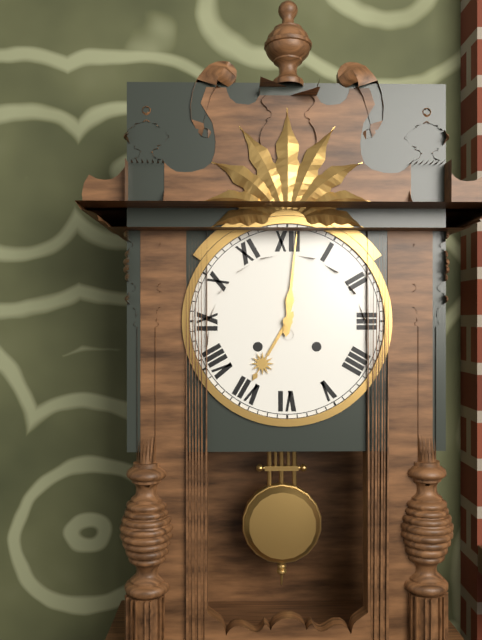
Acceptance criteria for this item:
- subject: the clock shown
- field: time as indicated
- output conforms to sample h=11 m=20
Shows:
h=7 m=1
